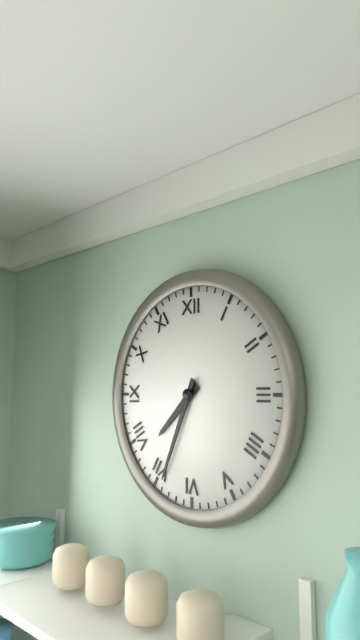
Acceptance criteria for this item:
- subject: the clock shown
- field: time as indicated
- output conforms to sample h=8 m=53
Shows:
h=7 m=34
